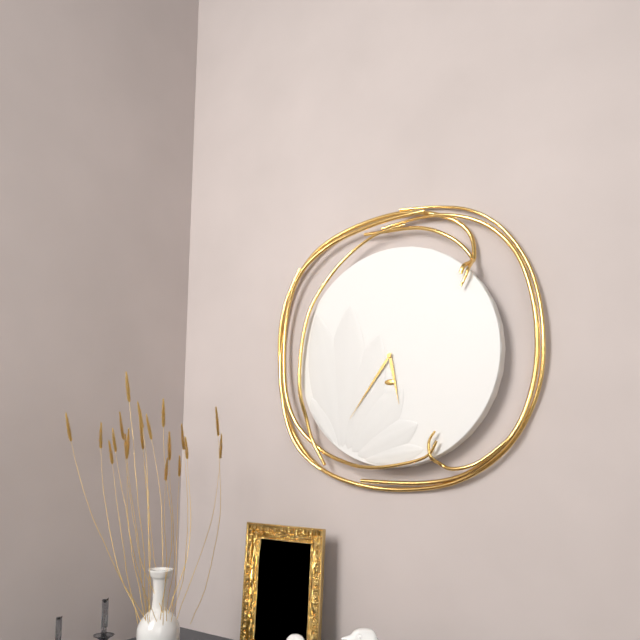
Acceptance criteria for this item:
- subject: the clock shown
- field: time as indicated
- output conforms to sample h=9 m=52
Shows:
h=5 m=36
